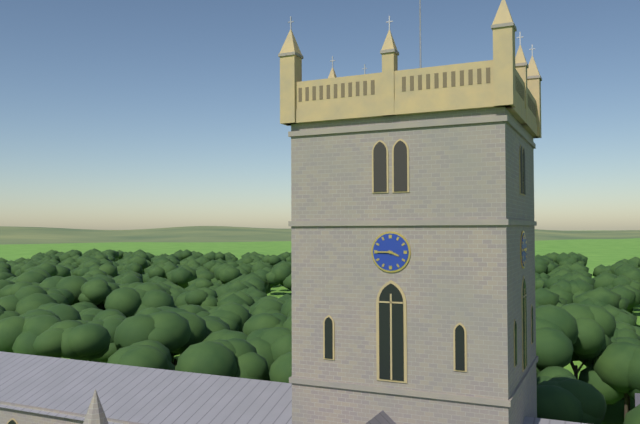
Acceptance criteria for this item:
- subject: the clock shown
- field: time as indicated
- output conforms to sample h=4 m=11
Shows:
h=3 m=45
